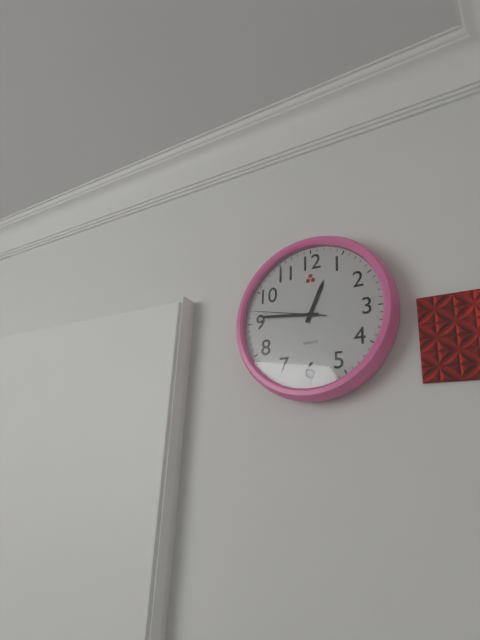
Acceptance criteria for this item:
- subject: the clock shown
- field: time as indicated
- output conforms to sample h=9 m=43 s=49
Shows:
h=12 m=46 s=47
